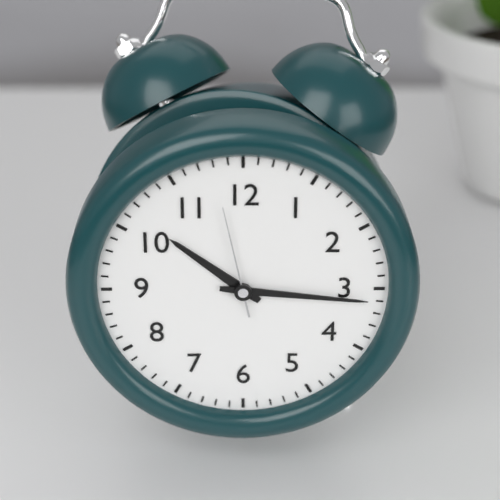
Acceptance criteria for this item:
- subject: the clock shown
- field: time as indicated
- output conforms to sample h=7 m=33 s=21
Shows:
h=10 m=16 s=58
